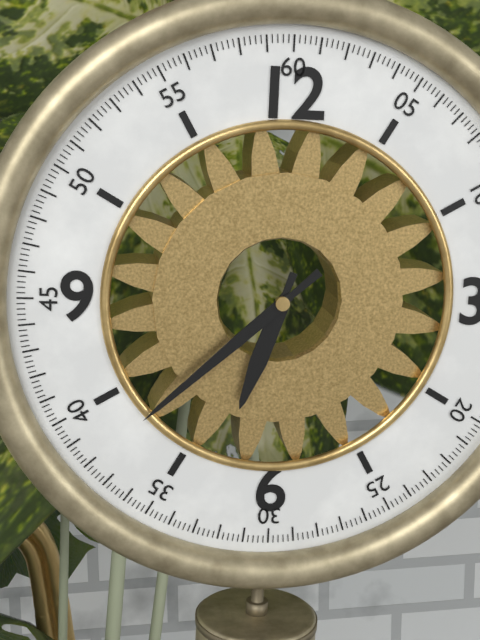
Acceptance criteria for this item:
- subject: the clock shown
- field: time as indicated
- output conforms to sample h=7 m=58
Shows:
h=6 m=38
